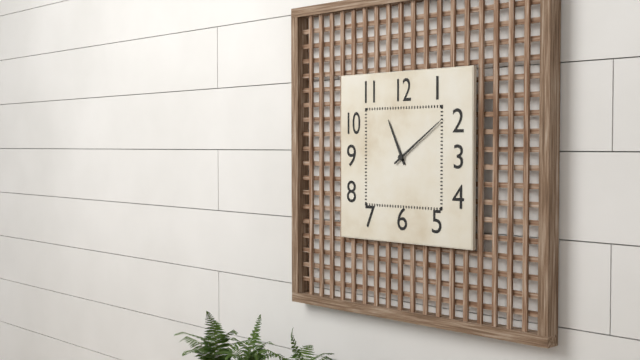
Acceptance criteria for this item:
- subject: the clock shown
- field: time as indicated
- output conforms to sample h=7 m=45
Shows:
h=11 m=9
